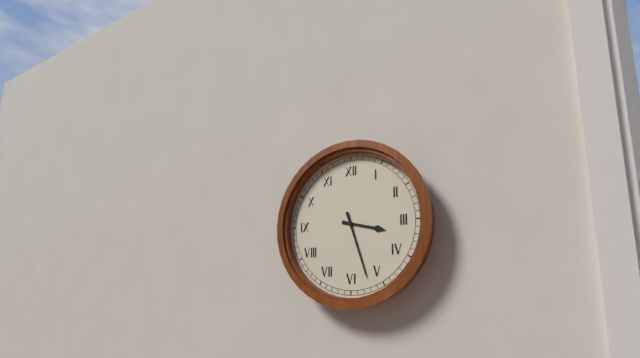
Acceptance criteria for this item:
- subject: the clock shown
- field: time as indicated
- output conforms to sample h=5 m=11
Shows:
h=3 m=27
